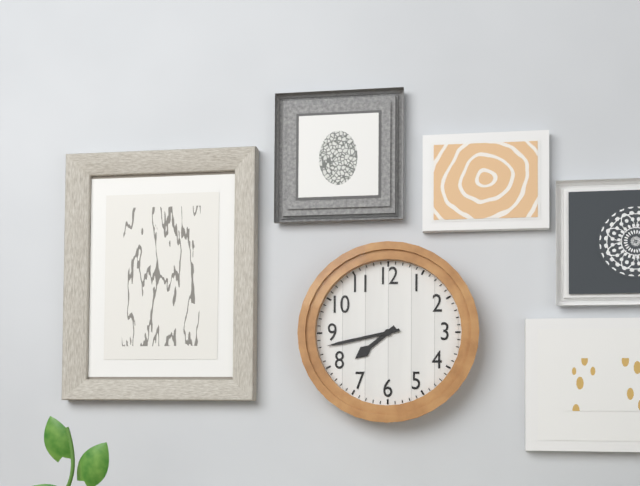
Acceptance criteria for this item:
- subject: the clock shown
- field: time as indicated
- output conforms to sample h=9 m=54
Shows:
h=7 m=43
